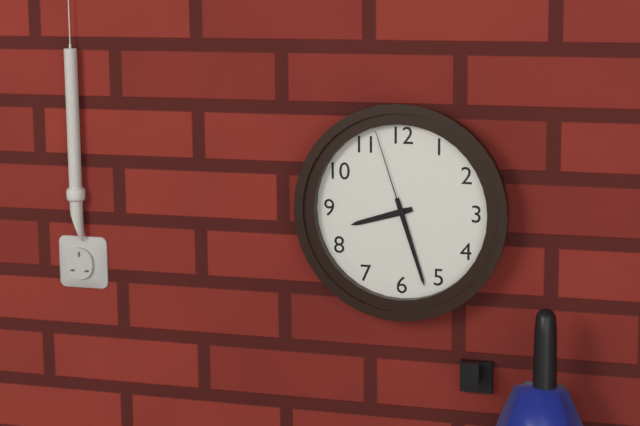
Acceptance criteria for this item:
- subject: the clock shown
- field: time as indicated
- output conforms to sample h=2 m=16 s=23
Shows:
h=8 m=27 s=57
